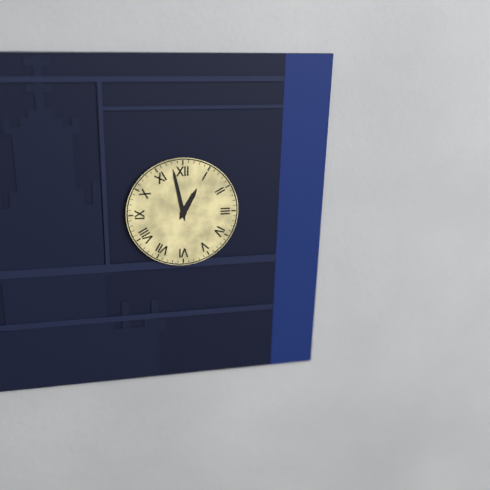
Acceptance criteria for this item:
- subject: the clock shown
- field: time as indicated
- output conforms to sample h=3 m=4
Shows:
h=12 m=58
